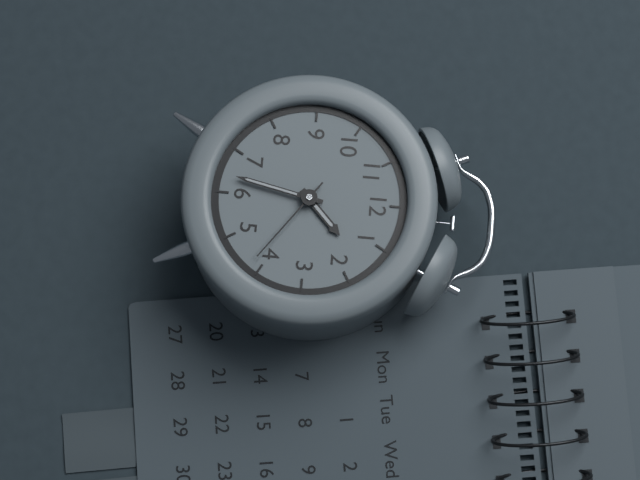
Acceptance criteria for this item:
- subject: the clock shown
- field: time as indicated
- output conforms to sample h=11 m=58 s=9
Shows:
h=1 m=32 s=21
